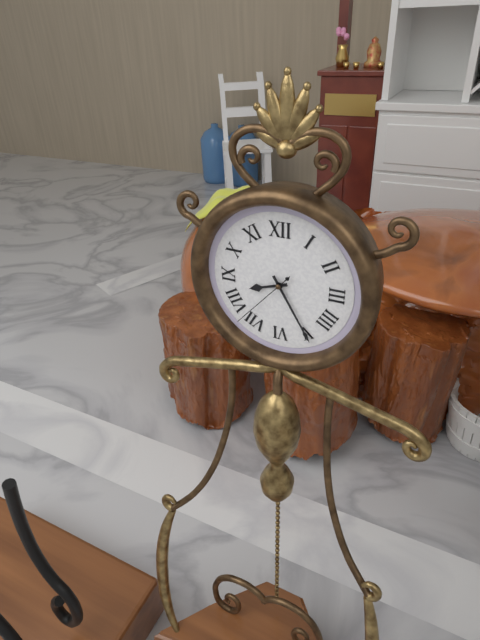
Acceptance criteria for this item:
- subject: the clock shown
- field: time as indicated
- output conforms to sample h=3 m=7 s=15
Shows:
h=8 m=25 s=37
